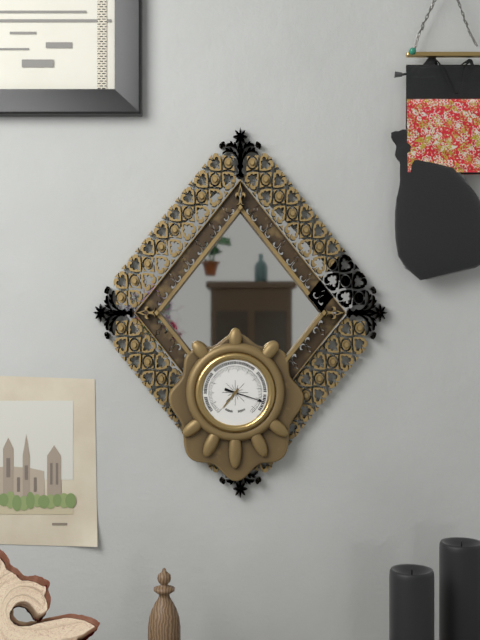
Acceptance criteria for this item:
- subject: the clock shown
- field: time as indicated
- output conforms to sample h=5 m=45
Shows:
h=7 m=18
